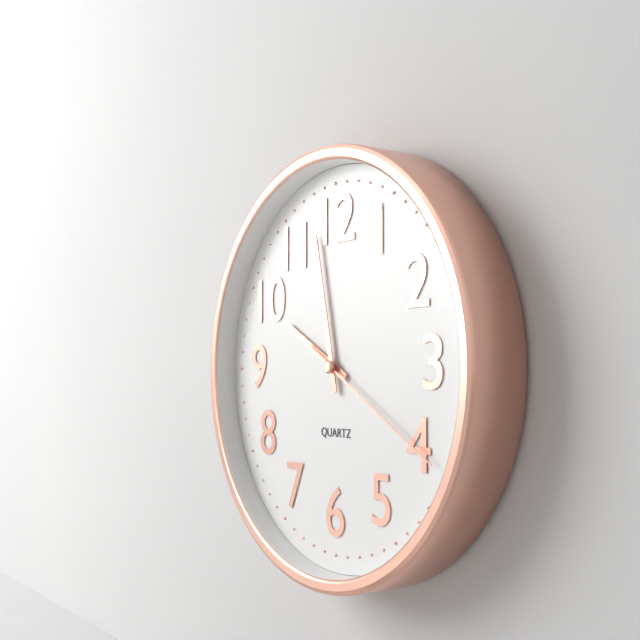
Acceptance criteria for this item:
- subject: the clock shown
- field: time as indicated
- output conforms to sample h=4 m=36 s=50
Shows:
h=9 m=58 s=20
